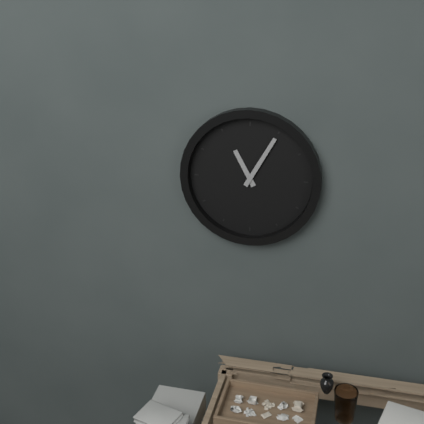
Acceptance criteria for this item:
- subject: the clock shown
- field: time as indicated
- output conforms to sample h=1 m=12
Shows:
h=11 m=5
